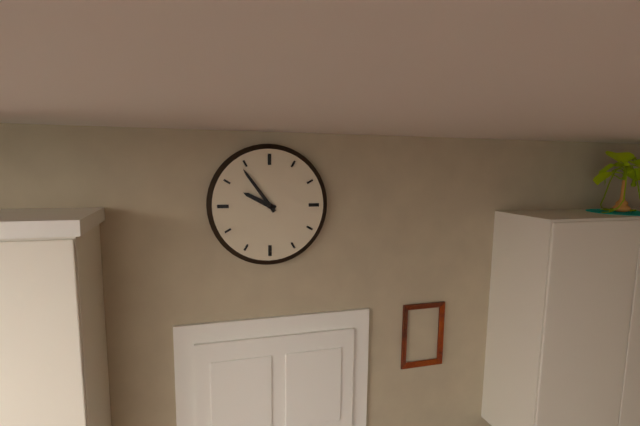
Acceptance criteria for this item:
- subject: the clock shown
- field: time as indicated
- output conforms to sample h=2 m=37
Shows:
h=9 m=54
